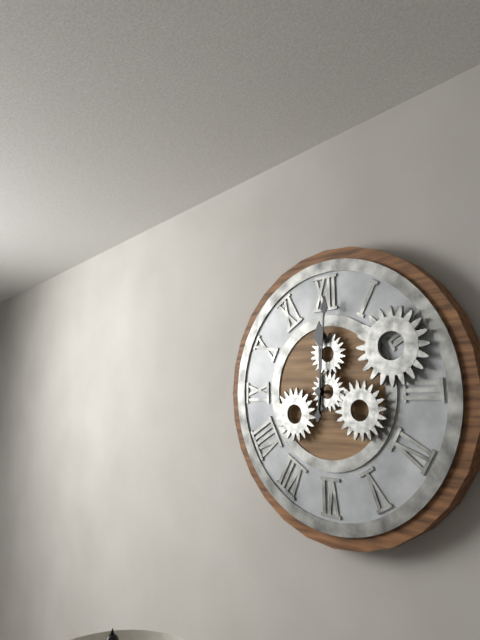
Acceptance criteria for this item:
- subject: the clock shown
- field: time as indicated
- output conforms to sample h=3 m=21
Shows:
h=12 m=1
